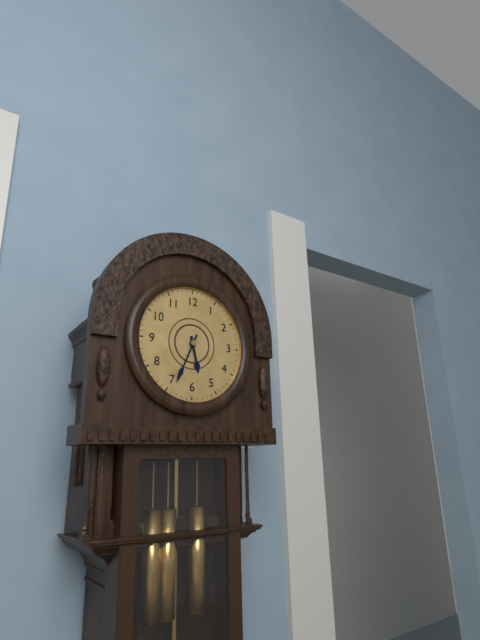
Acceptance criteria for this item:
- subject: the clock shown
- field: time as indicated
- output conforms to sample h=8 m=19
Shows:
h=5 m=34
